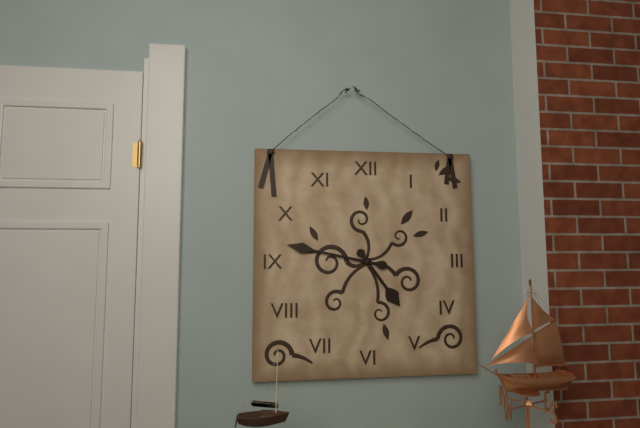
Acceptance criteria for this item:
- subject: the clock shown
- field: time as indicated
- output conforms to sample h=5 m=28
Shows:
h=4 m=47
